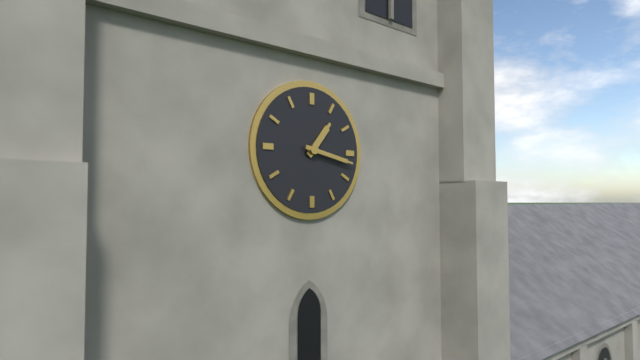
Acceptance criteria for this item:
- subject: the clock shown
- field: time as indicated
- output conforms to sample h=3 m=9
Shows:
h=1 m=17
